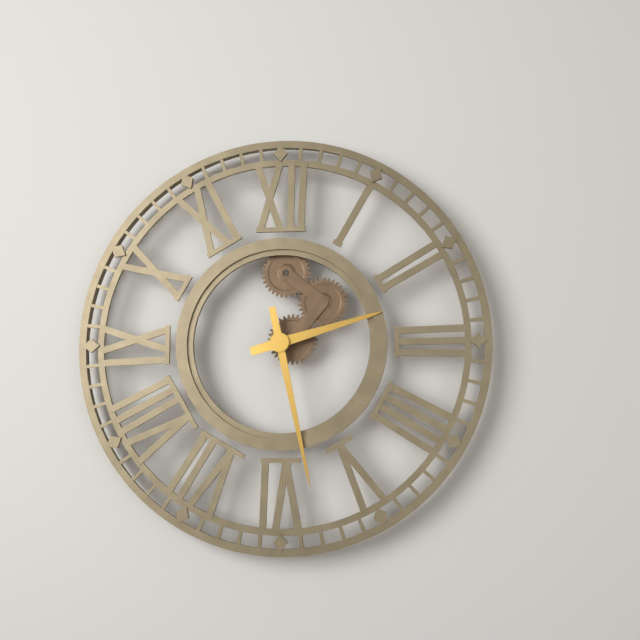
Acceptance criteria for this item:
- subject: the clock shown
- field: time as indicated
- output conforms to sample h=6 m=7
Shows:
h=2 m=28
